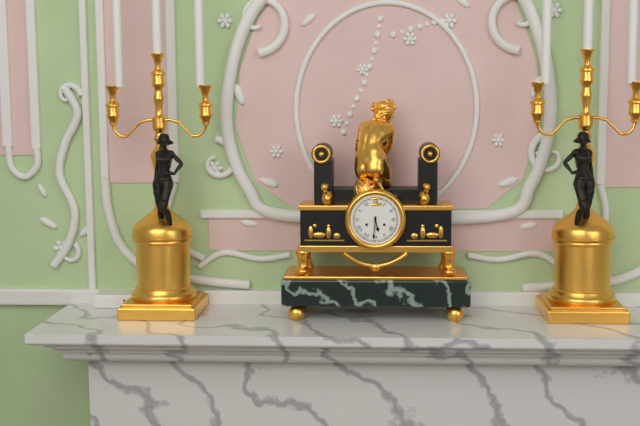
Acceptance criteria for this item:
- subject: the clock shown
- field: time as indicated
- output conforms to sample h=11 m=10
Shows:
h=5 m=31
